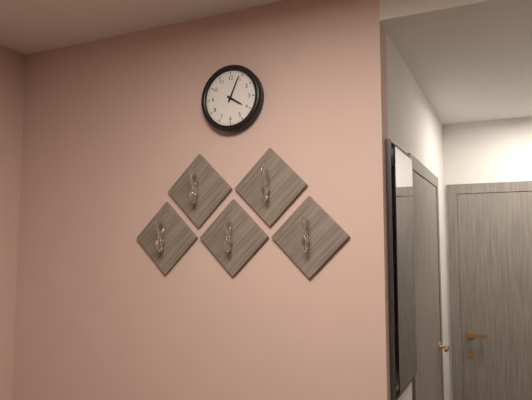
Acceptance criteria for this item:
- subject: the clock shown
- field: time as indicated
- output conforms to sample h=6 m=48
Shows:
h=4 m=4
